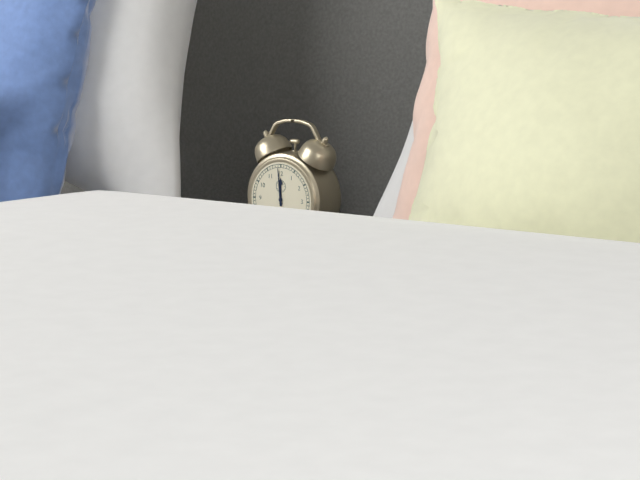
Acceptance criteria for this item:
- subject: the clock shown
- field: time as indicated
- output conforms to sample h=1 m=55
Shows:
h=11 m=59
